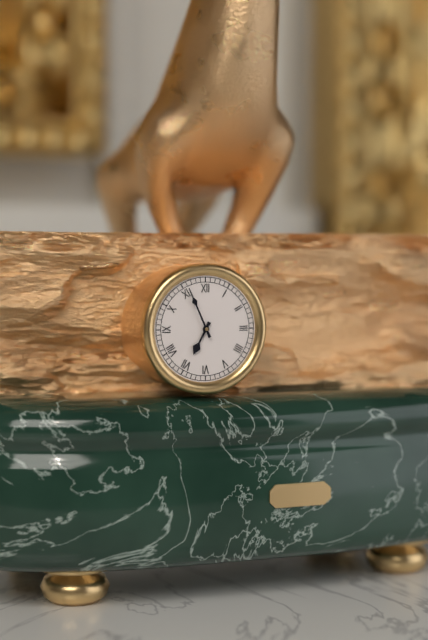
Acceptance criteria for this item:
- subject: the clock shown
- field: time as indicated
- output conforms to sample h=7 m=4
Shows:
h=6 m=56
